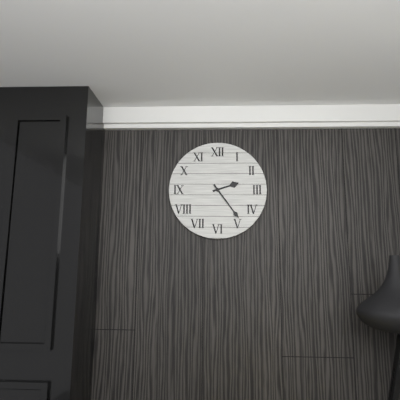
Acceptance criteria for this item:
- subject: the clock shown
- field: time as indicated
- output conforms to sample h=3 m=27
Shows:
h=2 m=24
